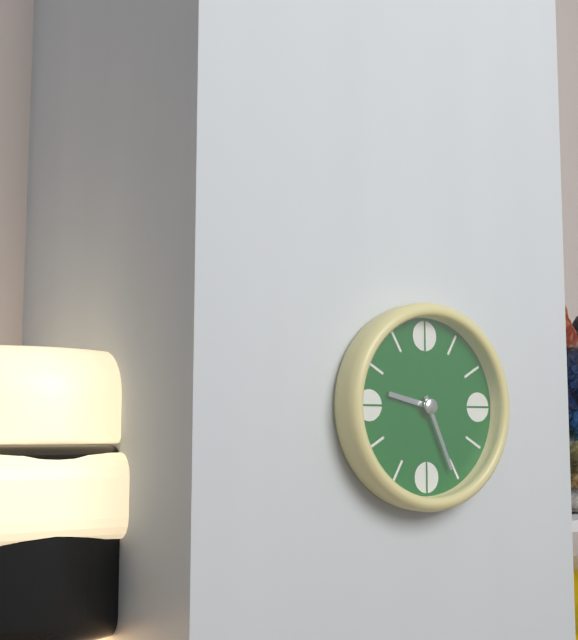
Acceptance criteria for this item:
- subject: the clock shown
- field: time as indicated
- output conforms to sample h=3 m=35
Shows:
h=9 m=26
